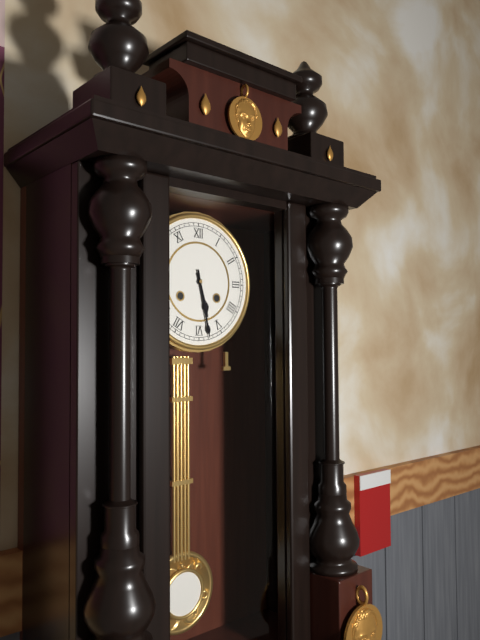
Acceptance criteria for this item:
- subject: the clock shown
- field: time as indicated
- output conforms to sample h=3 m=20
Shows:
h=5 m=28
